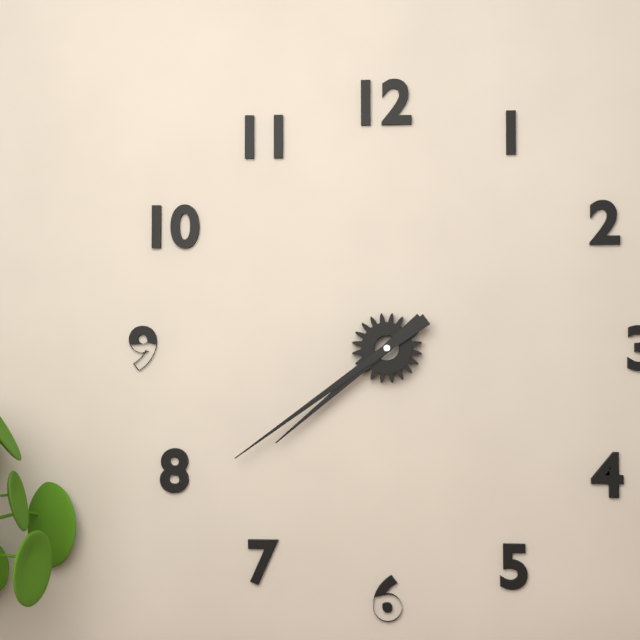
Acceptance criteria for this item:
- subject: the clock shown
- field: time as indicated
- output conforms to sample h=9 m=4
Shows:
h=7 m=39
